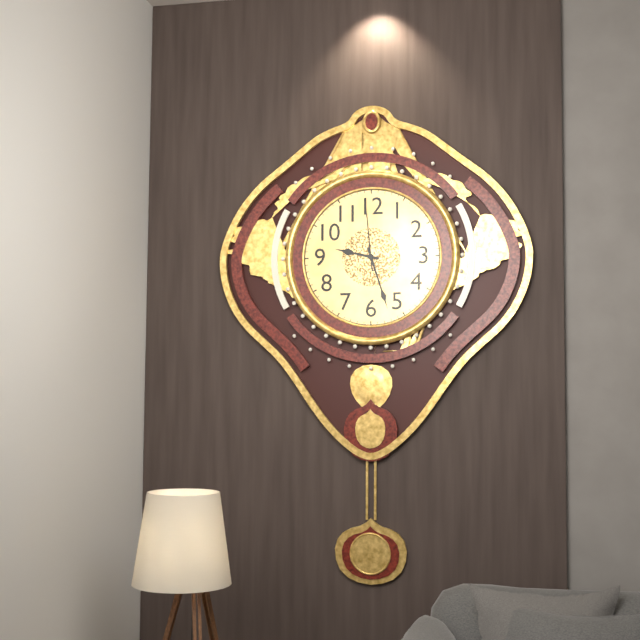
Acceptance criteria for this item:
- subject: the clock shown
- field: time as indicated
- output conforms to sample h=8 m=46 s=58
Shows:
h=9 m=27 s=59
